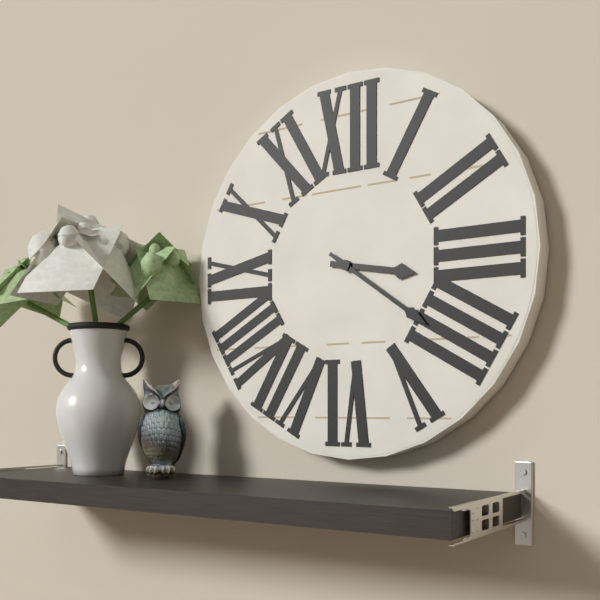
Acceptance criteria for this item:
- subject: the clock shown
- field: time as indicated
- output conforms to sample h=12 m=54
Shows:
h=3 m=21
